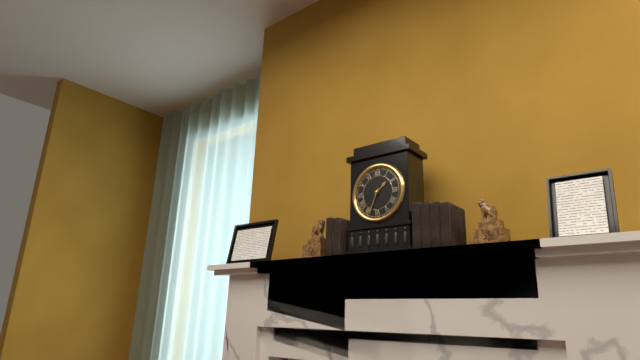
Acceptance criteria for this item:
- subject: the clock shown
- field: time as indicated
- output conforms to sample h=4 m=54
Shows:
h=1 m=34
